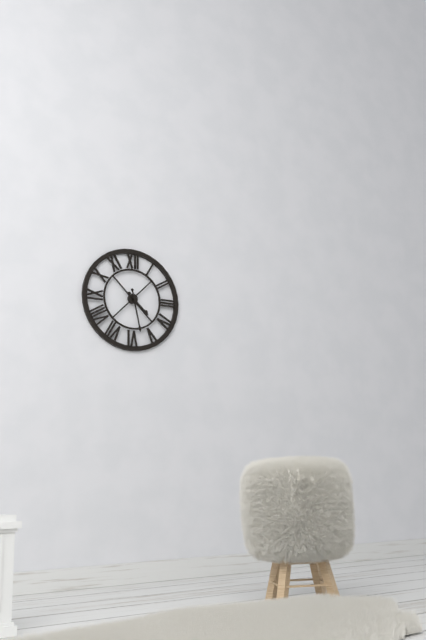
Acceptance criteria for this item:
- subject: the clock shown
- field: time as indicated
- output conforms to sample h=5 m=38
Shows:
h=4 m=28
